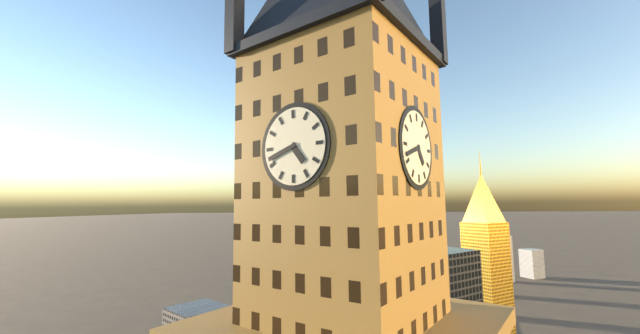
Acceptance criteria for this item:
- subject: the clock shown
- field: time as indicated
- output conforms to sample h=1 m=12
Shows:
h=4 m=42
